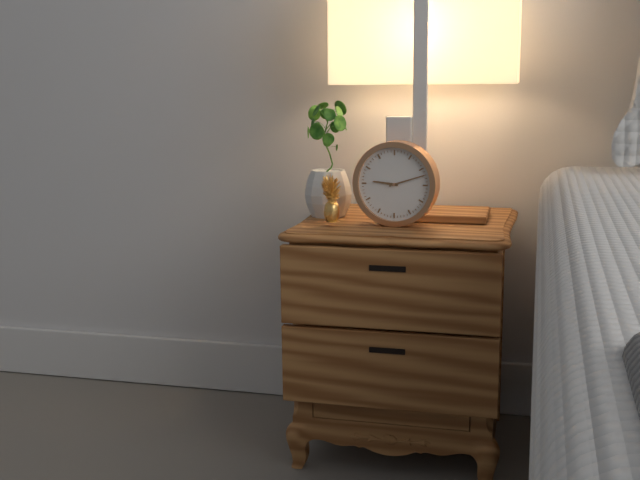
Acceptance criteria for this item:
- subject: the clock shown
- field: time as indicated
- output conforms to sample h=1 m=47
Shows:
h=9 m=12
